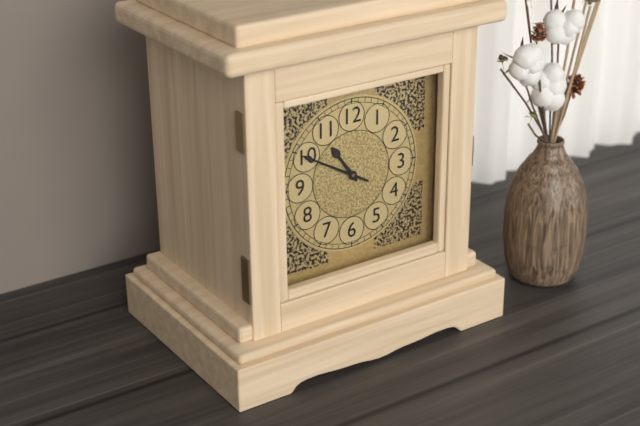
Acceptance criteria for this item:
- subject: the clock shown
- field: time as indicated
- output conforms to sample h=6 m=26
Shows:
h=10 m=50
